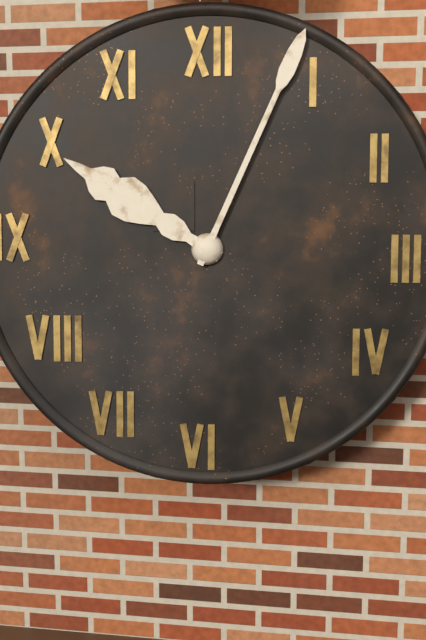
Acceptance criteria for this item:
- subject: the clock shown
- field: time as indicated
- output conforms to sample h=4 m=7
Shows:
h=10 m=4
